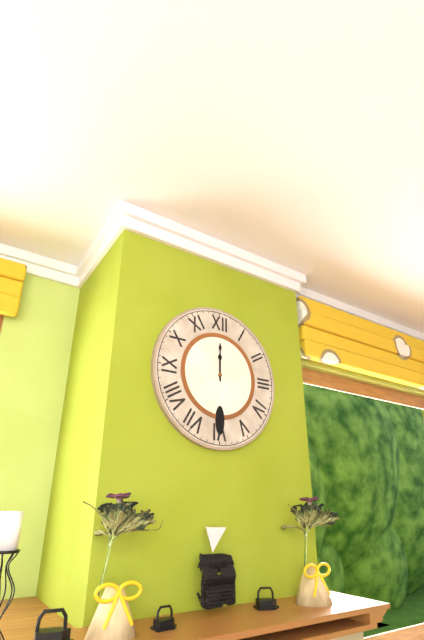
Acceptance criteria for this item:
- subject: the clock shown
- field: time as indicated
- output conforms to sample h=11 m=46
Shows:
h=12 m=0
